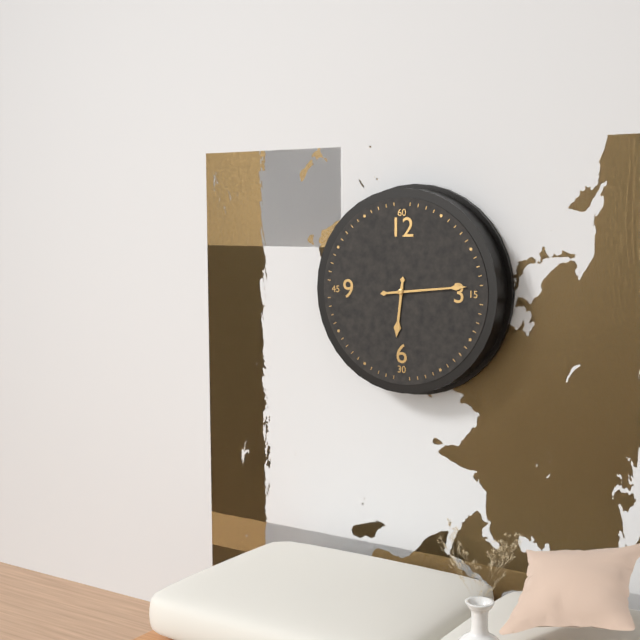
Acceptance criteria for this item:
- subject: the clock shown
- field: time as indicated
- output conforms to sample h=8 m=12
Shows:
h=6 m=14
